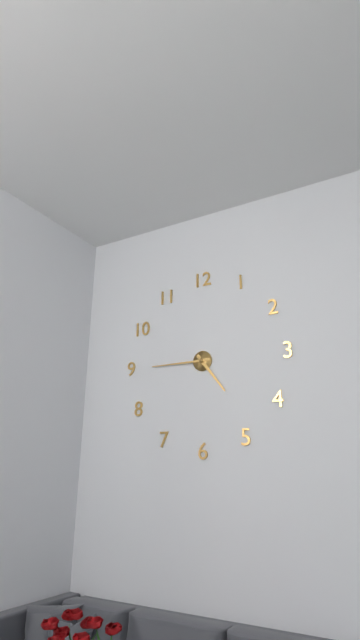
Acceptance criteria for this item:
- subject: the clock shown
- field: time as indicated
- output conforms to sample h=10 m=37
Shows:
h=4 m=45
